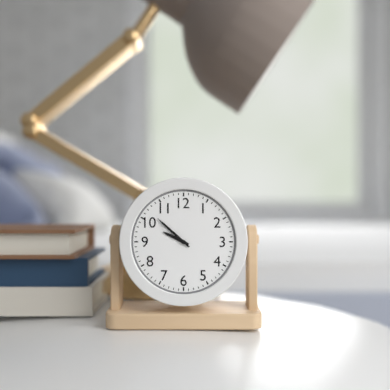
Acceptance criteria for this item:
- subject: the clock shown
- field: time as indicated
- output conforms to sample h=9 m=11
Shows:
h=9 m=52
